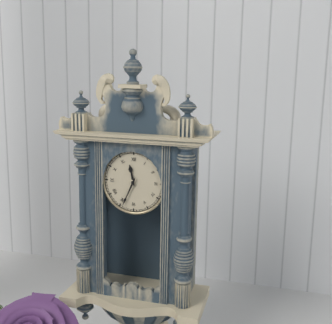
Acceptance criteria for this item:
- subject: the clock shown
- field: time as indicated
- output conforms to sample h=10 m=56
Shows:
h=11 m=34
